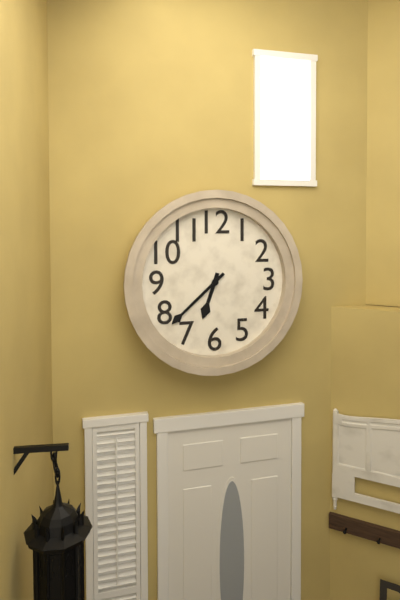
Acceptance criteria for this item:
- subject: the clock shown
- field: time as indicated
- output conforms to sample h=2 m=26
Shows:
h=6 m=38
